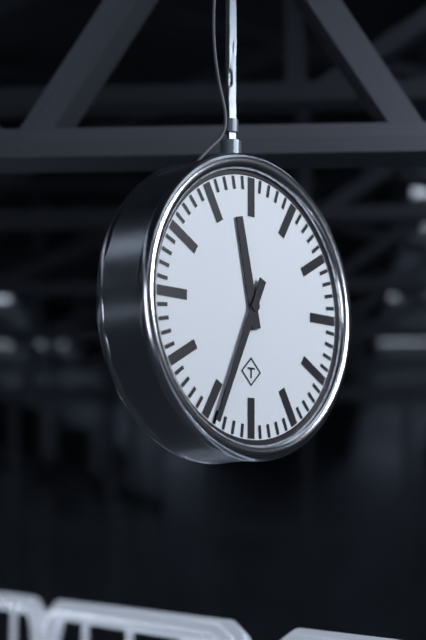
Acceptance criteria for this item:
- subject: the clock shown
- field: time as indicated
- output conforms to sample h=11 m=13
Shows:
h=11 m=34
